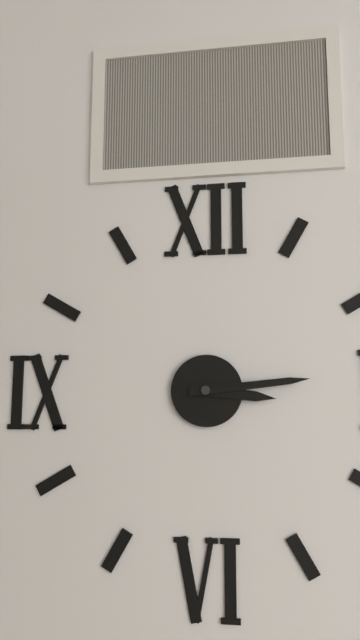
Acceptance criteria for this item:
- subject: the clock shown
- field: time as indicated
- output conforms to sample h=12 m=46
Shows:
h=3 m=14
